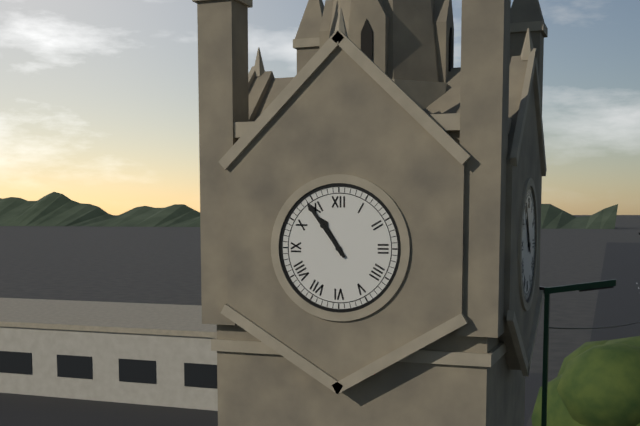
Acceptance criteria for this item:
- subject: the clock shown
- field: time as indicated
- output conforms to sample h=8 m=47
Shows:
h=10 m=54
